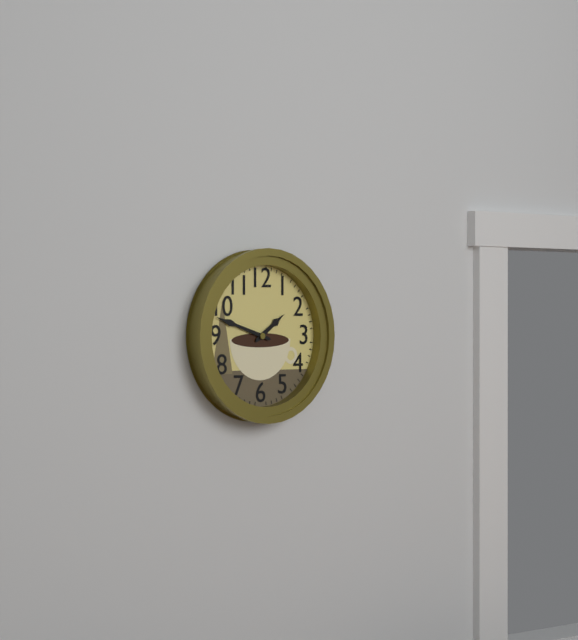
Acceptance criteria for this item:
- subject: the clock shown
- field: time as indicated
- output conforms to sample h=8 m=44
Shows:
h=1 m=48
